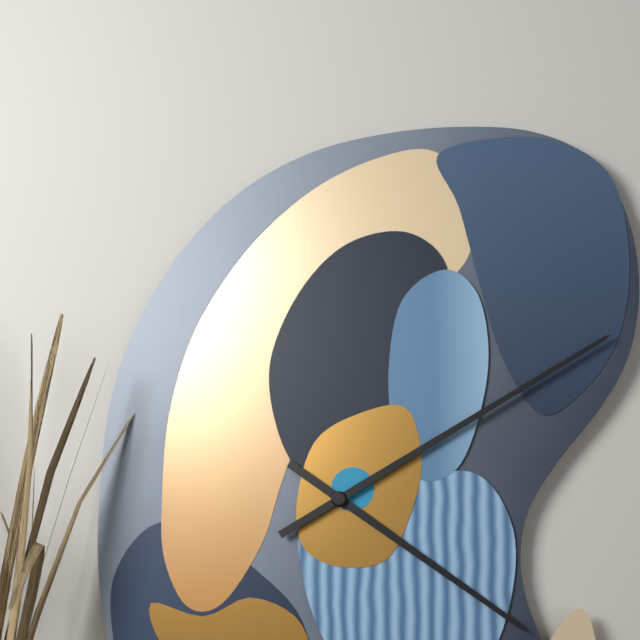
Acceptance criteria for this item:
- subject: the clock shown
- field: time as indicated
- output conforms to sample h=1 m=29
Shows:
h=4 m=10
